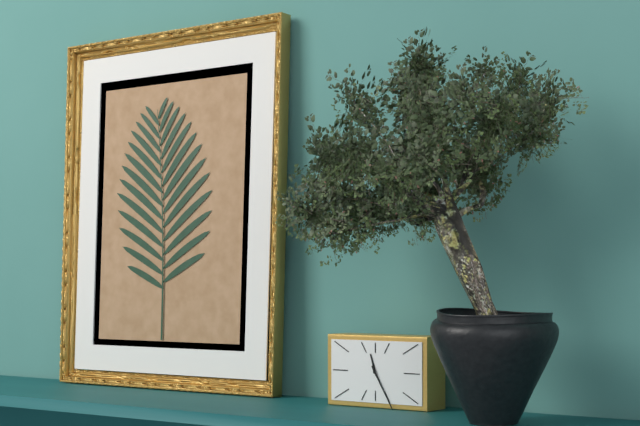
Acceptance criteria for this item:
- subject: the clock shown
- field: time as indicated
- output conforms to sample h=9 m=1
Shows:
h=11 m=25
